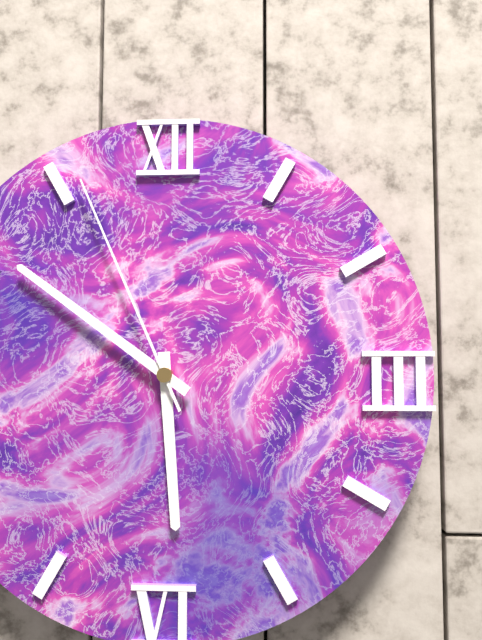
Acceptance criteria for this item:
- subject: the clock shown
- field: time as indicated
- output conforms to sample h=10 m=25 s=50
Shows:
h=5 m=51 s=56
